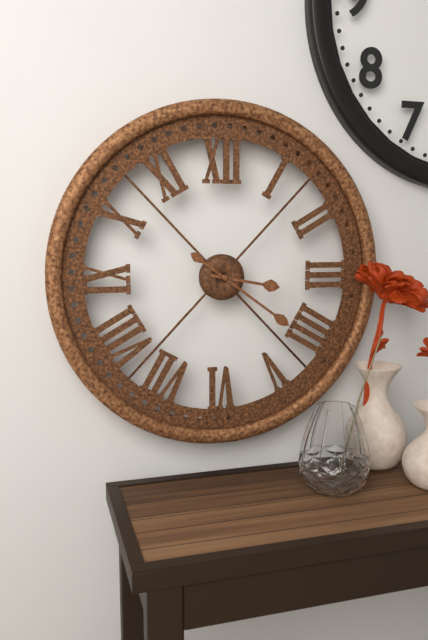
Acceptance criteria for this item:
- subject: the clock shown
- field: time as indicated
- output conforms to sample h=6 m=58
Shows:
h=3 m=21
